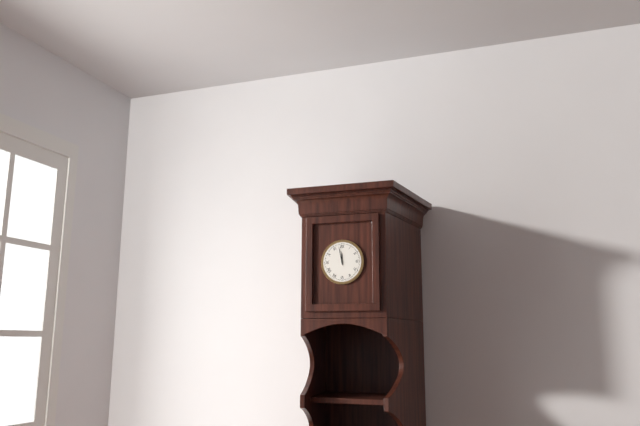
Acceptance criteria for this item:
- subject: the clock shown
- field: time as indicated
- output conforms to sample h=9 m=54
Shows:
h=11 m=58
